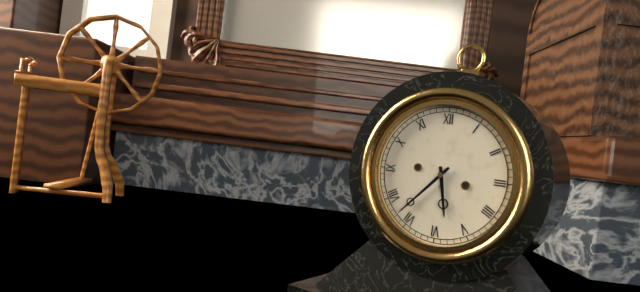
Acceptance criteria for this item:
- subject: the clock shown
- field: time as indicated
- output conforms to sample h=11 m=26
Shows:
h=5 m=37
